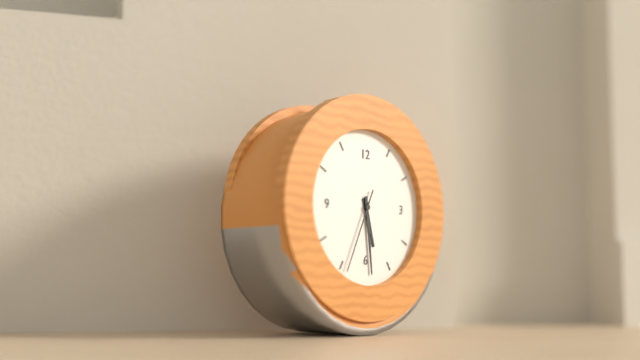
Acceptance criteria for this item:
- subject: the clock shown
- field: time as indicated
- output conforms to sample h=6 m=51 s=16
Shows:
h=5 m=29 s=34
